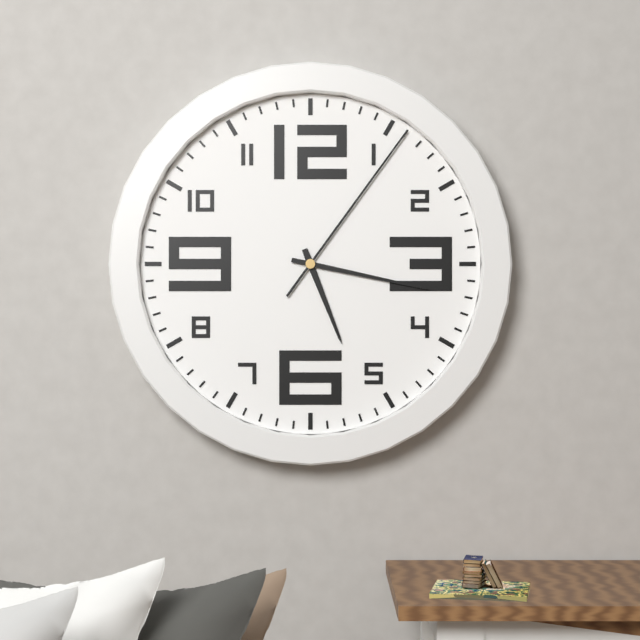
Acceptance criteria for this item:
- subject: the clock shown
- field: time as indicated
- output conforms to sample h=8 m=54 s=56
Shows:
h=5 m=17 s=6
